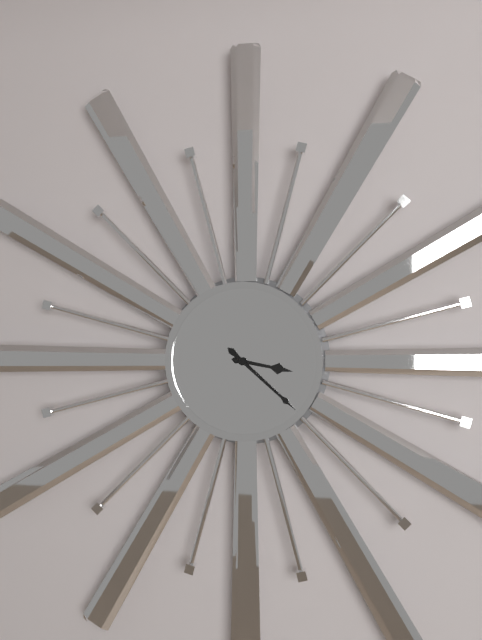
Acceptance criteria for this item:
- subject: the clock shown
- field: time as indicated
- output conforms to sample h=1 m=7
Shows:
h=3 m=22
